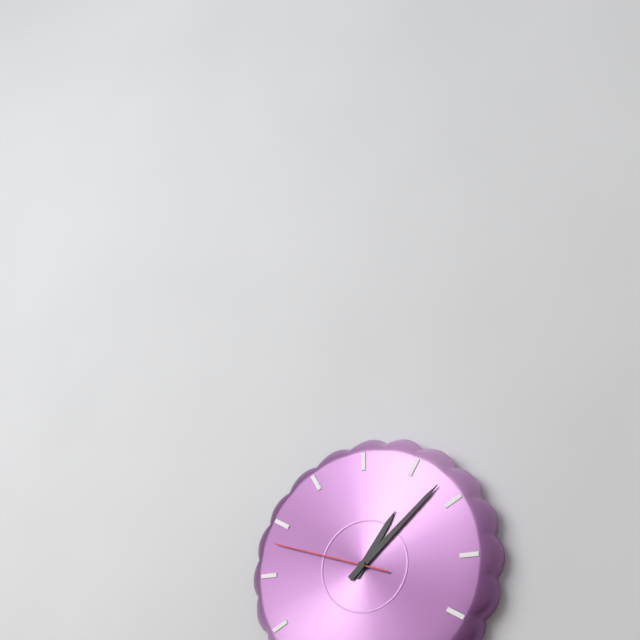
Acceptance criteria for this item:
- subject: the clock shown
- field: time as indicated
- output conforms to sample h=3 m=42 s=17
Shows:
h=1 m=8 s=48
